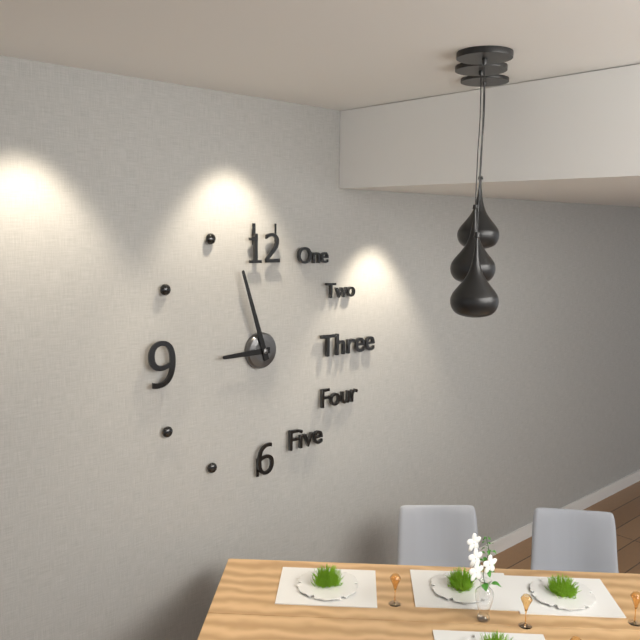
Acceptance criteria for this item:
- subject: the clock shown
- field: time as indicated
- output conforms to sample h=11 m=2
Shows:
h=8 m=57
